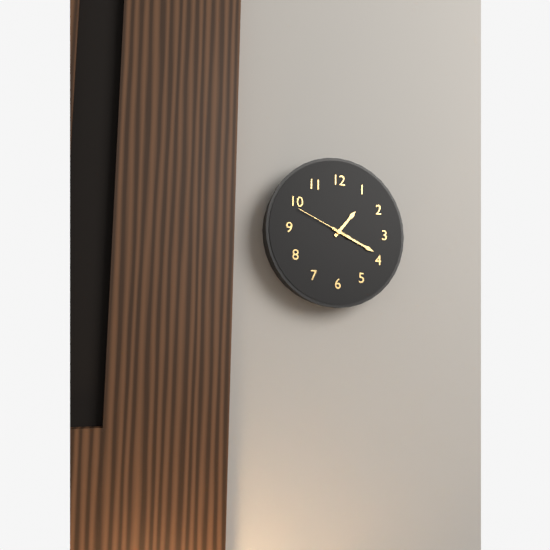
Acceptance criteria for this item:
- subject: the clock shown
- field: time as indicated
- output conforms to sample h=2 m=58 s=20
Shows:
h=1 m=19 s=49
